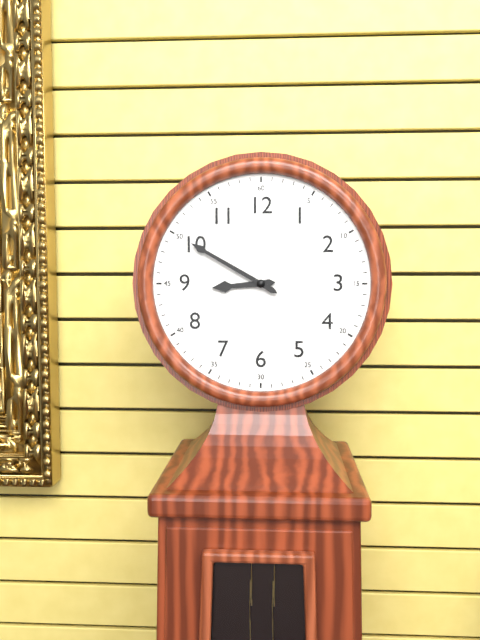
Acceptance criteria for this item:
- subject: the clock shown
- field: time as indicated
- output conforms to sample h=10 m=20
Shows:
h=8 m=50
